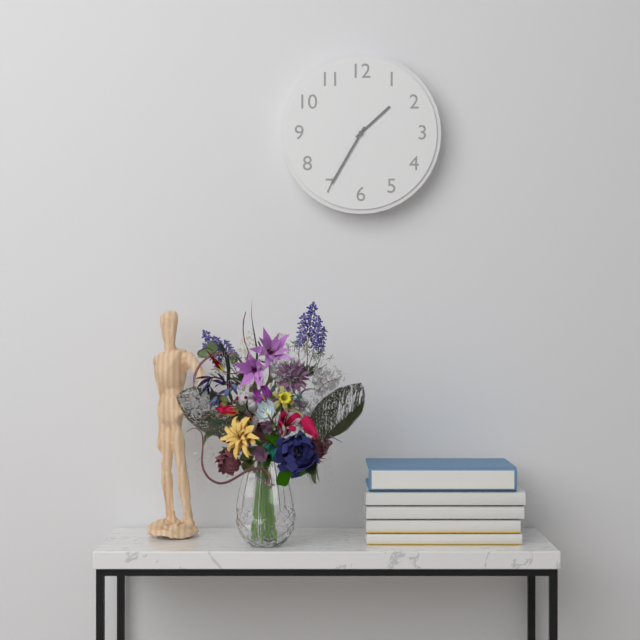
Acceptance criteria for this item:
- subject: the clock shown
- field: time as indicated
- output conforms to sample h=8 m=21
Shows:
h=1 m=35
